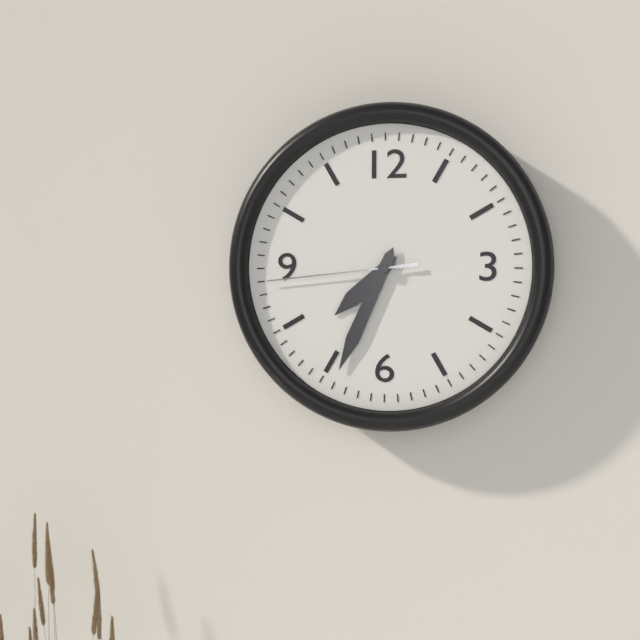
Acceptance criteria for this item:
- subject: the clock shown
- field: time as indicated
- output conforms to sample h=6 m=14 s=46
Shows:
h=7 m=34 s=44
